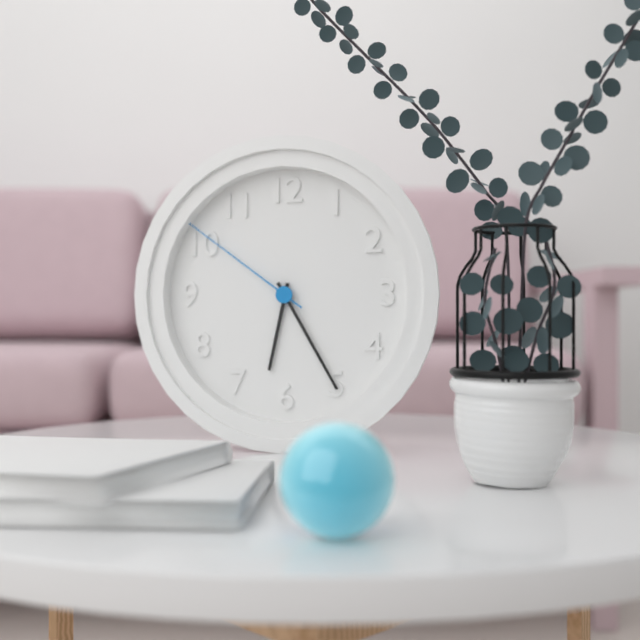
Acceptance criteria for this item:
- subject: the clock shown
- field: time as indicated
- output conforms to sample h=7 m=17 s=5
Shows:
h=6 m=25 s=51
